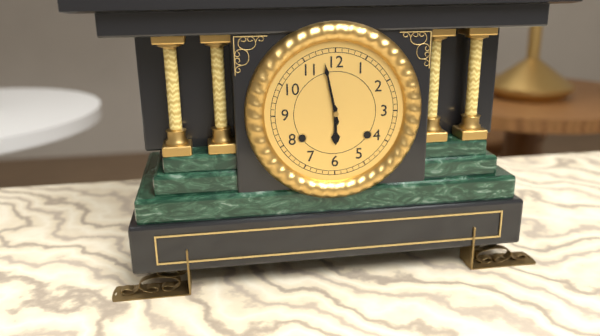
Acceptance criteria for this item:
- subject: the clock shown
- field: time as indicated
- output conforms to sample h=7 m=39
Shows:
h=5 m=58
